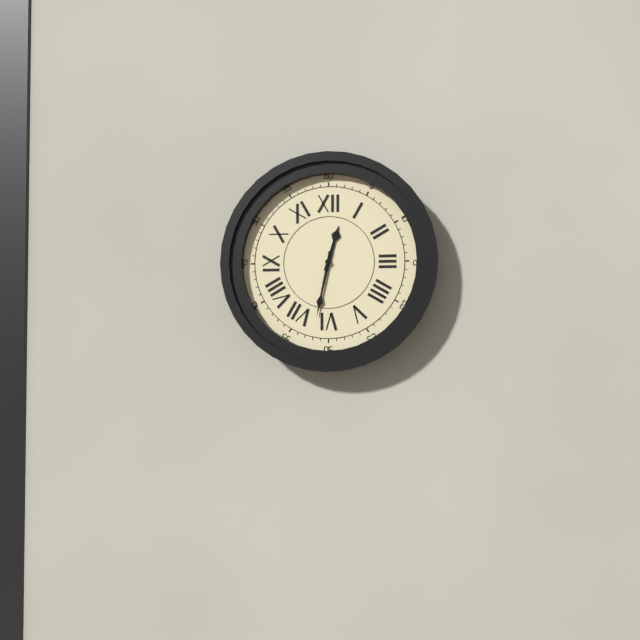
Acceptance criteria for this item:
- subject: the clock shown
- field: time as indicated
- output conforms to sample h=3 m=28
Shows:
h=12 m=32
